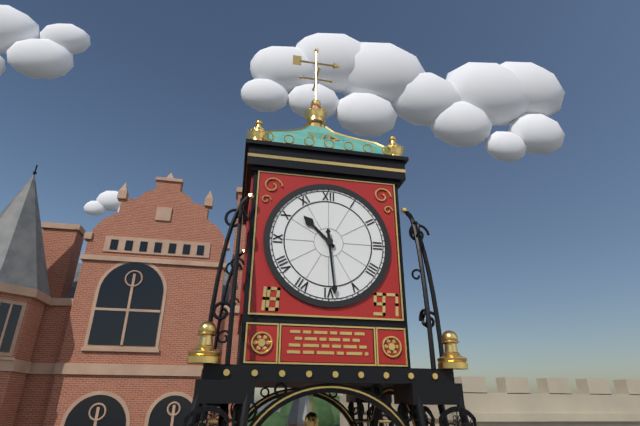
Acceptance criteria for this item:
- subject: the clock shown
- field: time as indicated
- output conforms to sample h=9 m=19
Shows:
h=10 m=29
